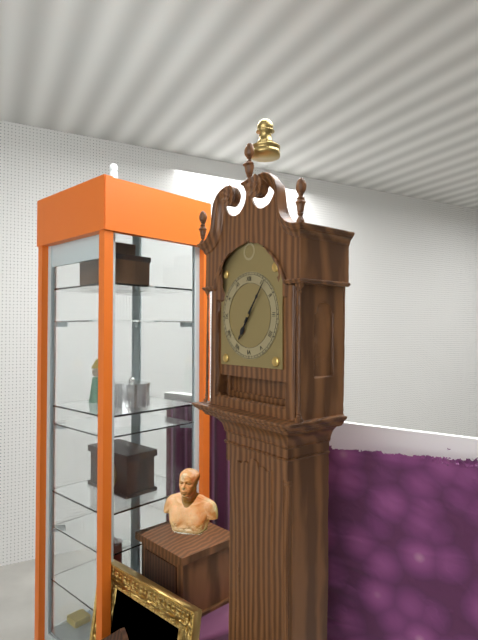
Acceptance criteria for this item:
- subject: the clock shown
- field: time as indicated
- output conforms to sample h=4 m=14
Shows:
h=7 m=6
